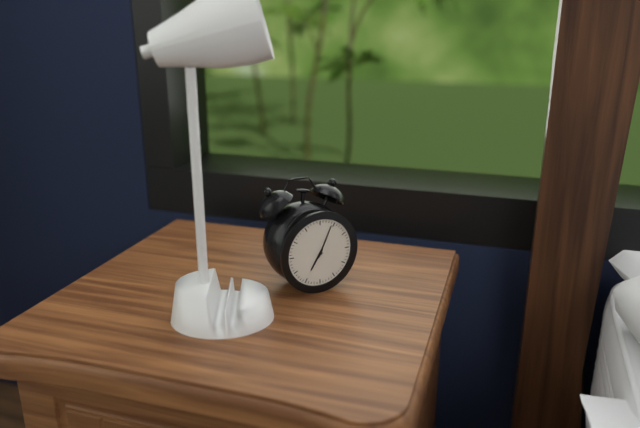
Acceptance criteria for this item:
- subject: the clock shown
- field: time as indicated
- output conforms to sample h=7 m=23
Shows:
h=7 m=4
